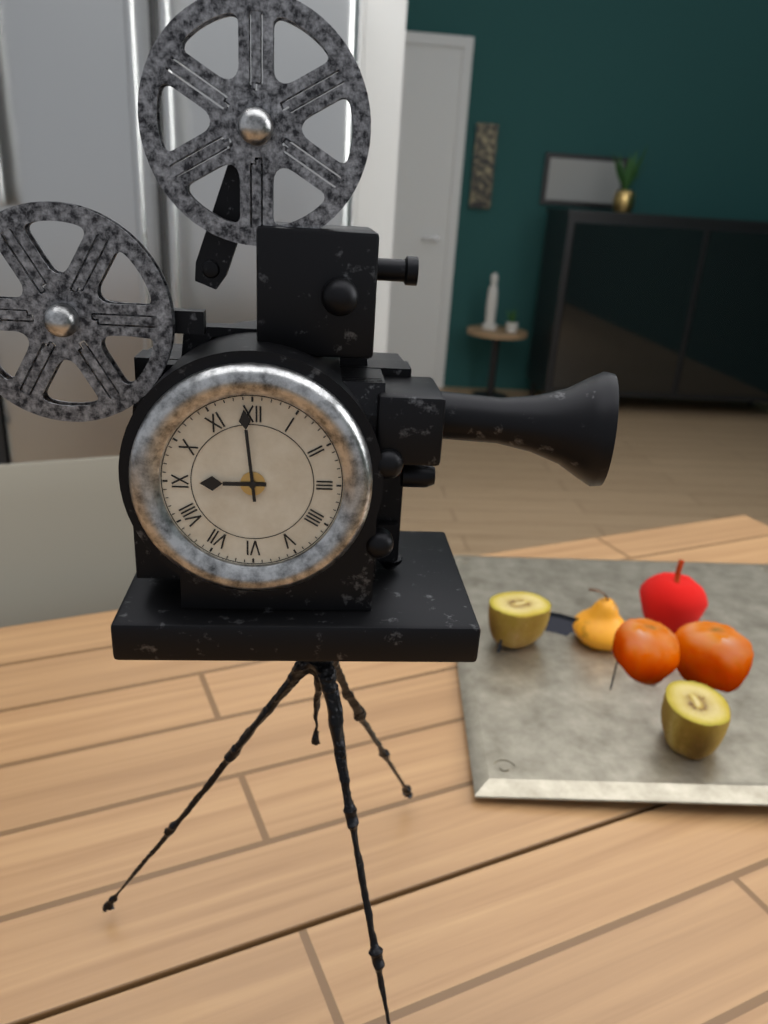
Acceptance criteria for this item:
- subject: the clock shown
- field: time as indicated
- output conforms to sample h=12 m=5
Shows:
h=8 m=59
